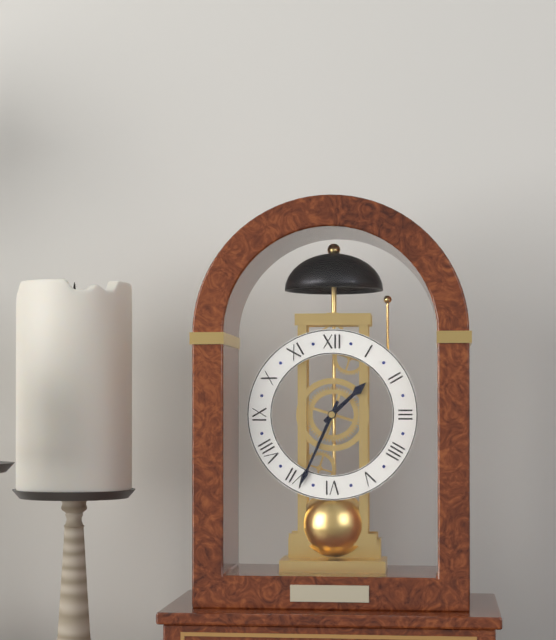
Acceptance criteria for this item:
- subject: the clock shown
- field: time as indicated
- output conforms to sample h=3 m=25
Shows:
h=1 m=34
